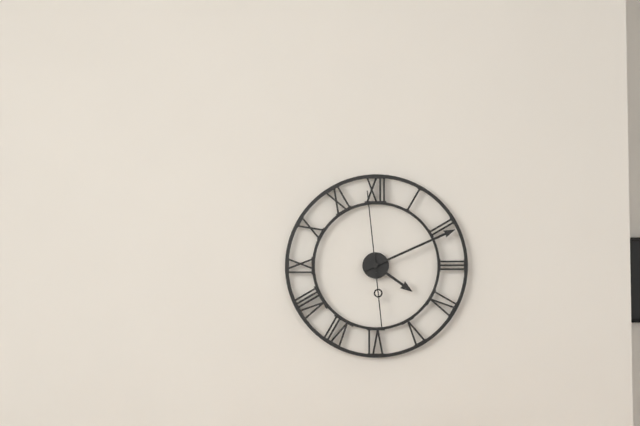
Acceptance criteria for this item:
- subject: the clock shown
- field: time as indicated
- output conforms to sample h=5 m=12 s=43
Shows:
h=4 m=11 s=59
